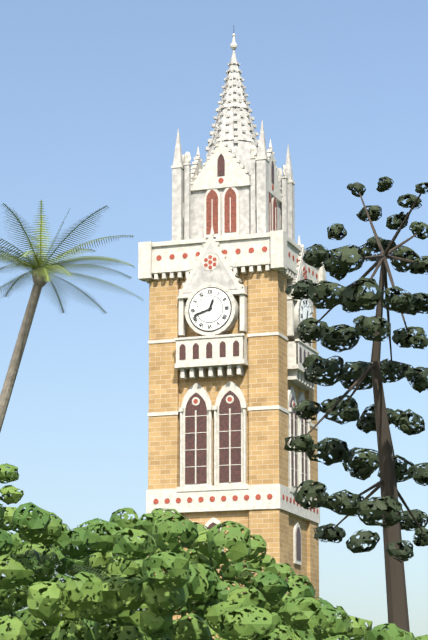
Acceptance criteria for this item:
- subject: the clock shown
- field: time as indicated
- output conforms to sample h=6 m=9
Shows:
h=12 m=42
